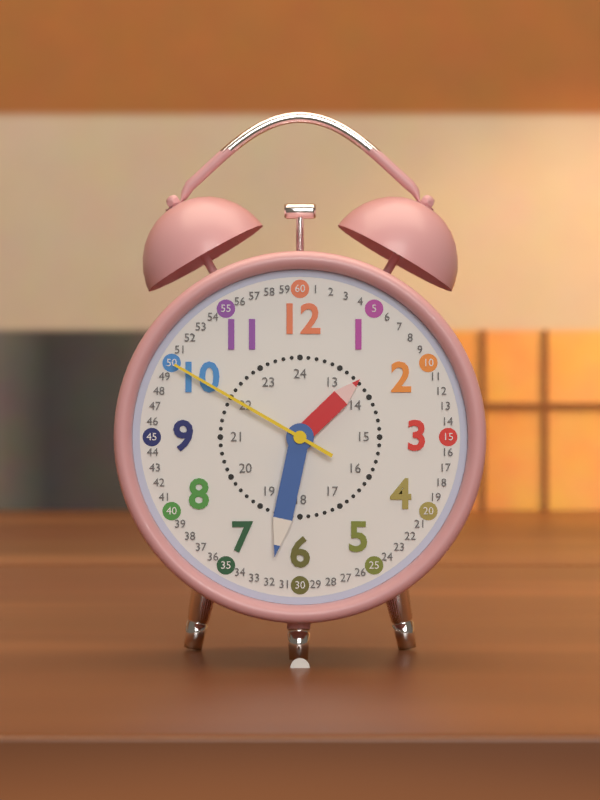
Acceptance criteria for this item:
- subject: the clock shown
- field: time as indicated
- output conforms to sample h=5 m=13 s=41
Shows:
h=1 m=32 s=50
